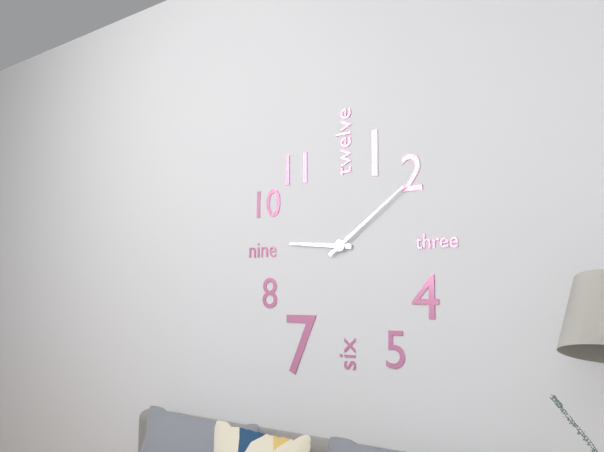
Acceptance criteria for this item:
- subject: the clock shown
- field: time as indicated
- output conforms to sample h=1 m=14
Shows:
h=9 m=9
